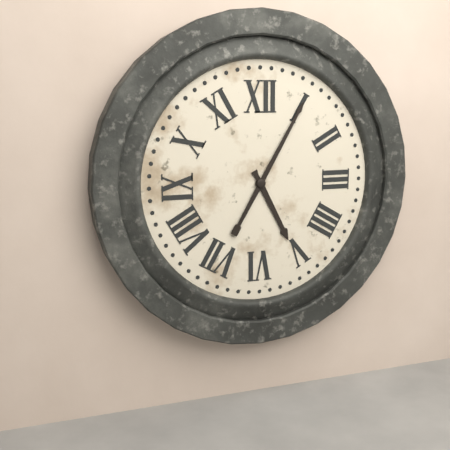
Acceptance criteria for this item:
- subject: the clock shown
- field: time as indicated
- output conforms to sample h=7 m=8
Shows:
h=5 m=5
